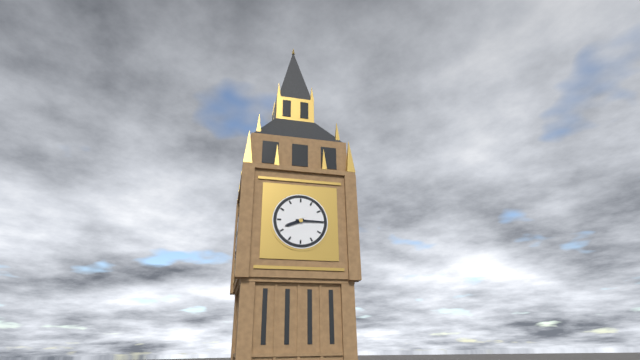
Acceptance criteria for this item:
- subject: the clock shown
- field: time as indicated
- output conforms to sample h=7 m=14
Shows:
h=8 m=15
